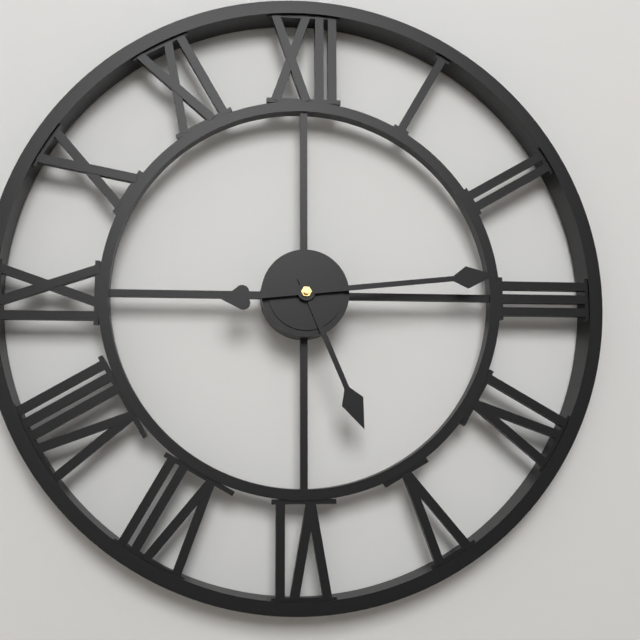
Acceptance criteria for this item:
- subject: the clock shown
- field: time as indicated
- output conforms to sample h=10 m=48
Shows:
h=5 m=14
